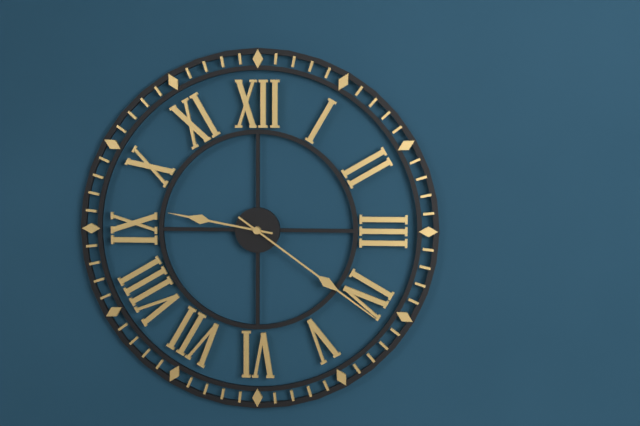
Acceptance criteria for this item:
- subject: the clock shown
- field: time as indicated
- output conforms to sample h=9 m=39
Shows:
h=9 m=21
